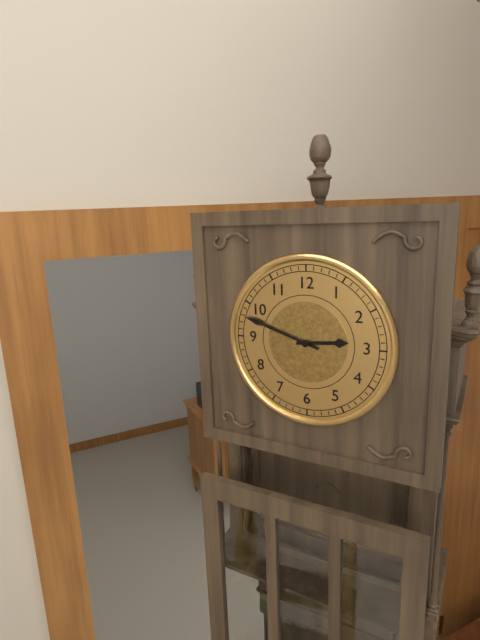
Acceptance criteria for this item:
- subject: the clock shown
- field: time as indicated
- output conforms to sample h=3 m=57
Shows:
h=2 m=48
